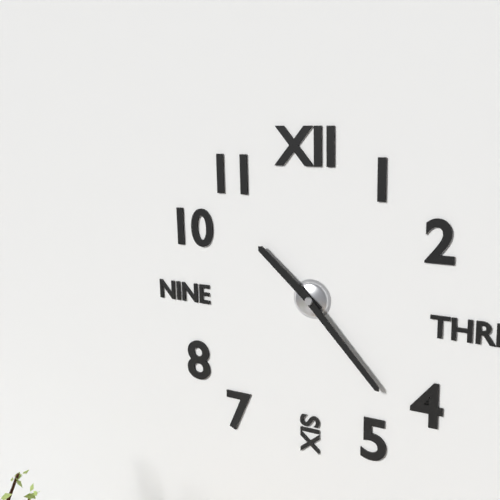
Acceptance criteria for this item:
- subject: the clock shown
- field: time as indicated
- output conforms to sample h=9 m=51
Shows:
h=10 m=23
